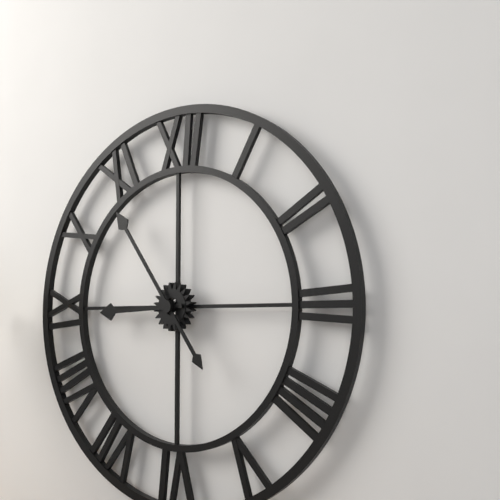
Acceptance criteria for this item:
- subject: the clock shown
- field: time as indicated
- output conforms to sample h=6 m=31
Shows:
h=8 m=54
